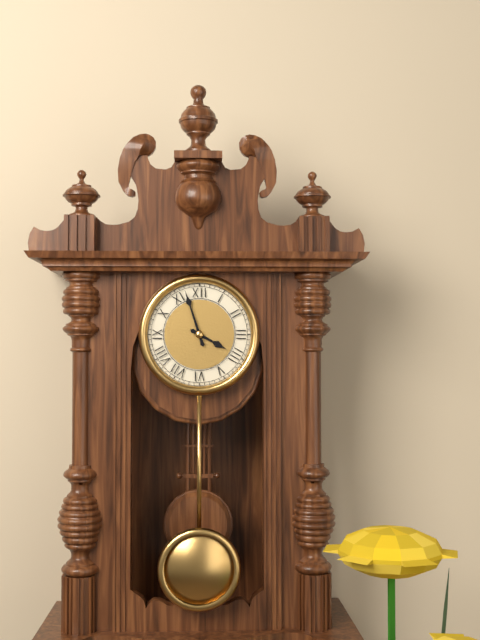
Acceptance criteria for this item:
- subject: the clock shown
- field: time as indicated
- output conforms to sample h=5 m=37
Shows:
h=3 m=57
